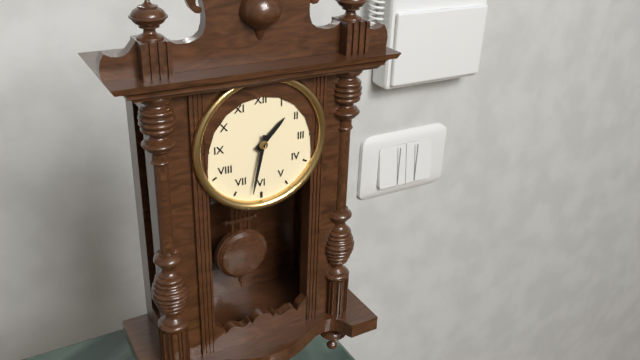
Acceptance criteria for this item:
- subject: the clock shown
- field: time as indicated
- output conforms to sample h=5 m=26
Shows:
h=1 m=32
